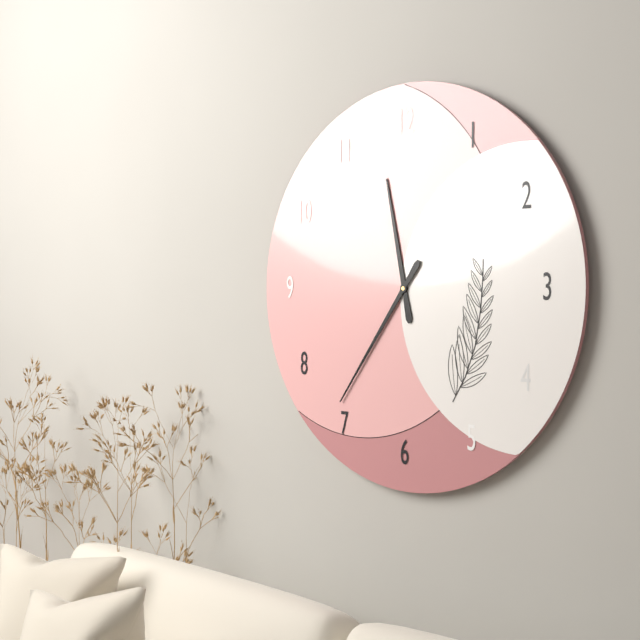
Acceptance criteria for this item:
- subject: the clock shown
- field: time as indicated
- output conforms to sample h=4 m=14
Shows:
h=11 m=36
